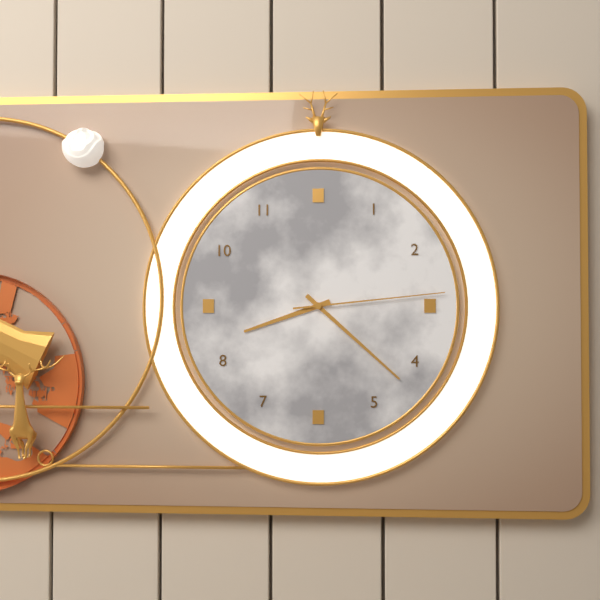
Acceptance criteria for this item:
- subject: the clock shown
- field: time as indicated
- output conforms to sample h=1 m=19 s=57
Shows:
h=8 m=22 s=14
